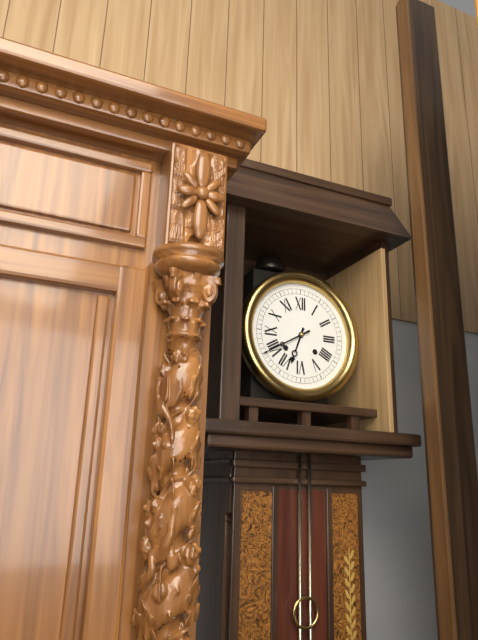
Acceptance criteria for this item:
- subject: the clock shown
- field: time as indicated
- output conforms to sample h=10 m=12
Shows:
h=6 m=40
